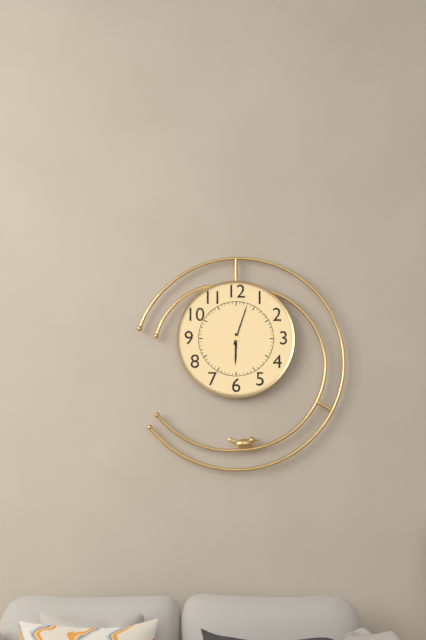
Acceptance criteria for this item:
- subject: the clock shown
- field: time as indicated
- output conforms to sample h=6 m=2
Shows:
h=6 m=3
